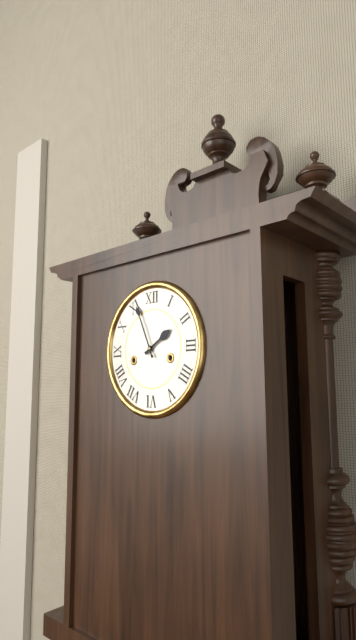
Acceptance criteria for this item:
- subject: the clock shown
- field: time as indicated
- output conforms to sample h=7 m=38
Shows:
h=1 m=56
